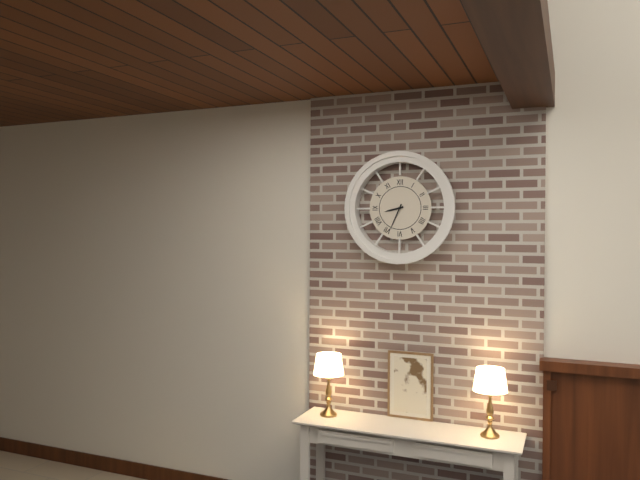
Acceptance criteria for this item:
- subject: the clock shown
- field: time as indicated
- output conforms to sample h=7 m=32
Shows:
h=8 m=34
